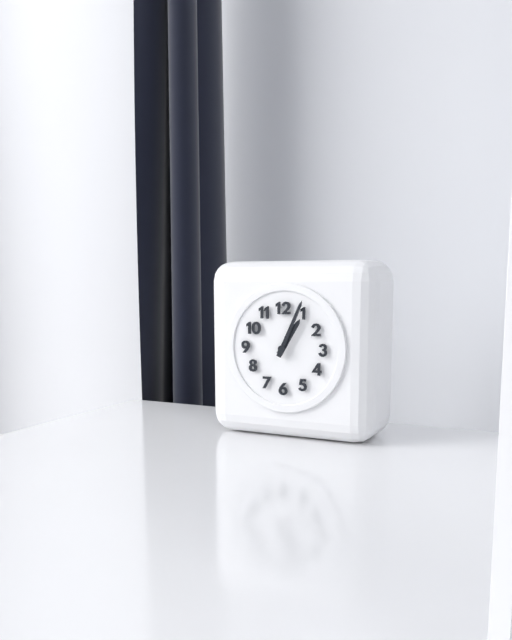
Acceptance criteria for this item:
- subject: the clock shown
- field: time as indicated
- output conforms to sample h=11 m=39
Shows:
h=1 m=4
